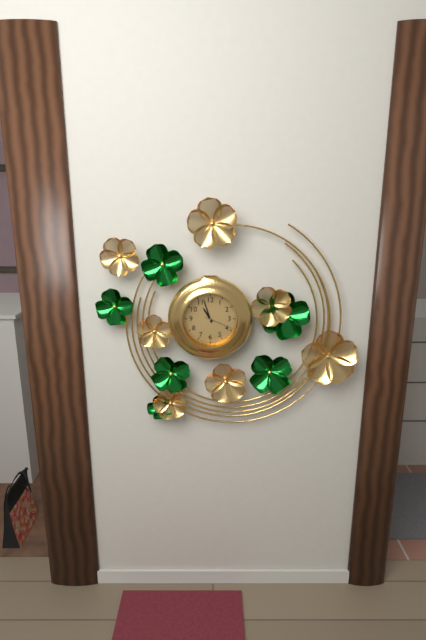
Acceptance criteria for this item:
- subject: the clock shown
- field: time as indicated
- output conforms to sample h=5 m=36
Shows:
h=10 m=57
